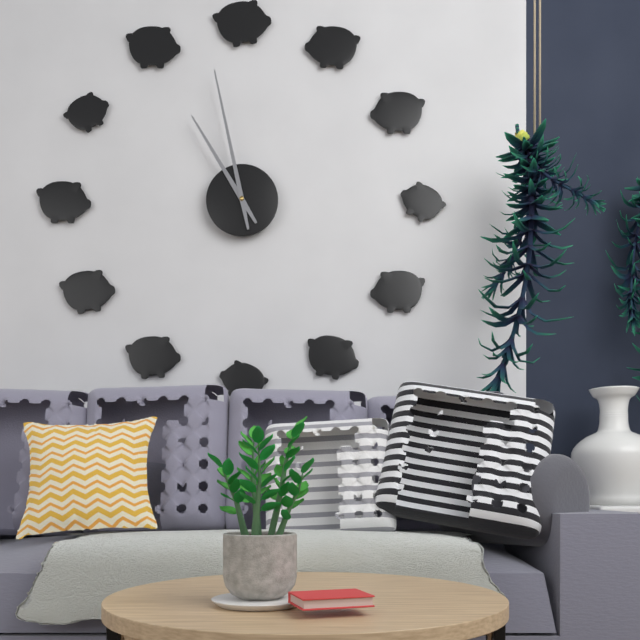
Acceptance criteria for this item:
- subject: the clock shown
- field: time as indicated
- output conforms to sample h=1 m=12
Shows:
h=10 m=58
